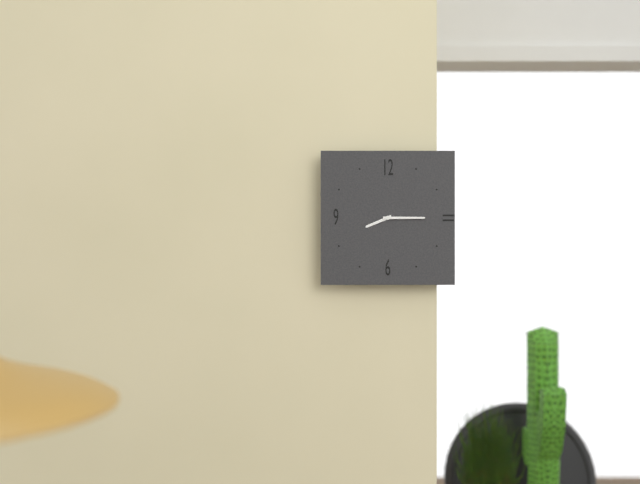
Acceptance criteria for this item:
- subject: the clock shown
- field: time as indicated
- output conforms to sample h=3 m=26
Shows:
h=8 m=15
